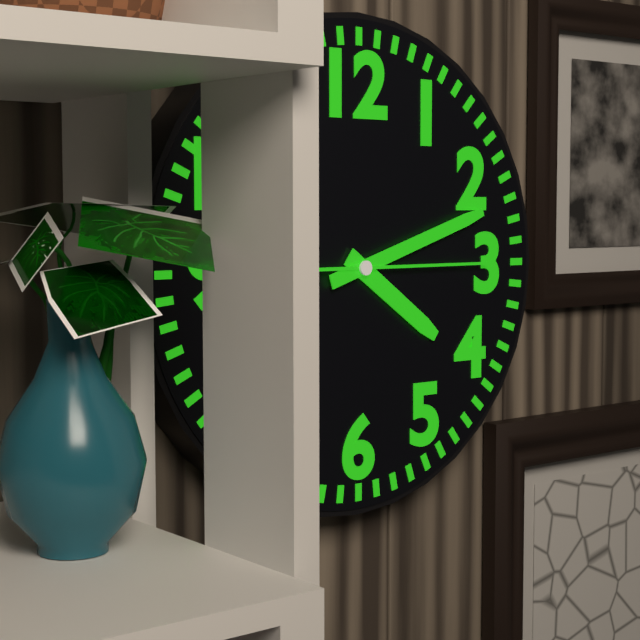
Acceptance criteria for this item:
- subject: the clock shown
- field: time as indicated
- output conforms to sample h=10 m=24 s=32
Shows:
h=4 m=12 s=15
